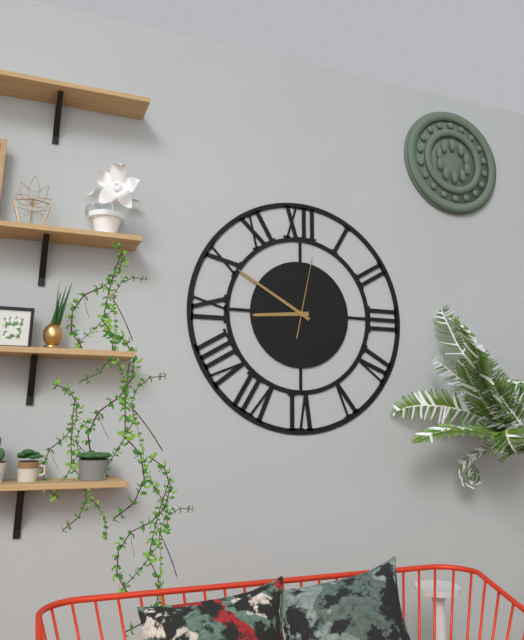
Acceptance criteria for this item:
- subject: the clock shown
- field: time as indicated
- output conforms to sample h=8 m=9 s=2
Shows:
h=8 m=50 s=2
